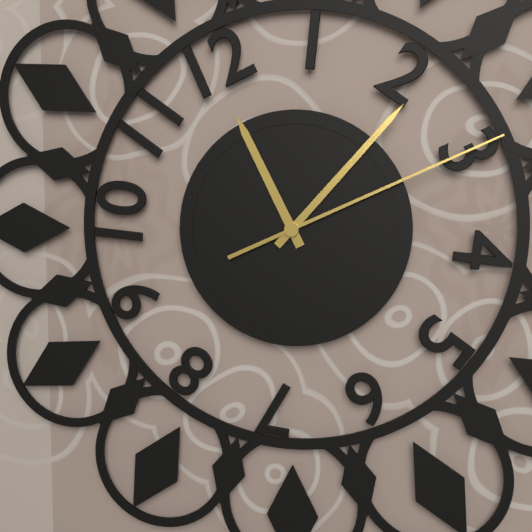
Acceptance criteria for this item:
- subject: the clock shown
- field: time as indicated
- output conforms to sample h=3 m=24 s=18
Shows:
h=11 m=7 s=11
